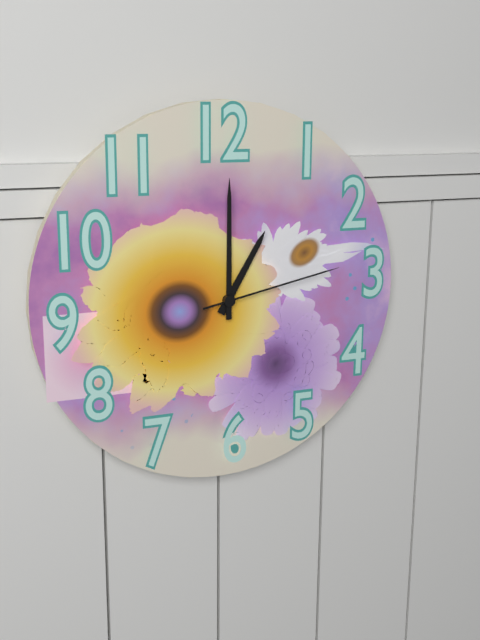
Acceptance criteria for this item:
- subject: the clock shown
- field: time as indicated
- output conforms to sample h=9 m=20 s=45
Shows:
h=1 m=0 s=13
